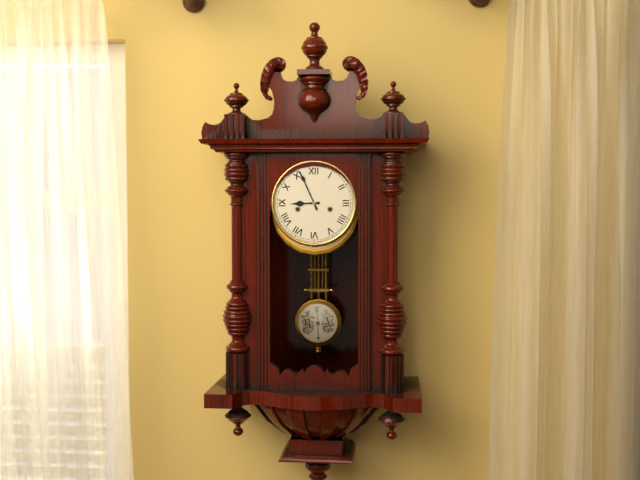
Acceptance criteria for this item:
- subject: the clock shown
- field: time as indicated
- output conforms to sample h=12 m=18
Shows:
h=8 m=56
